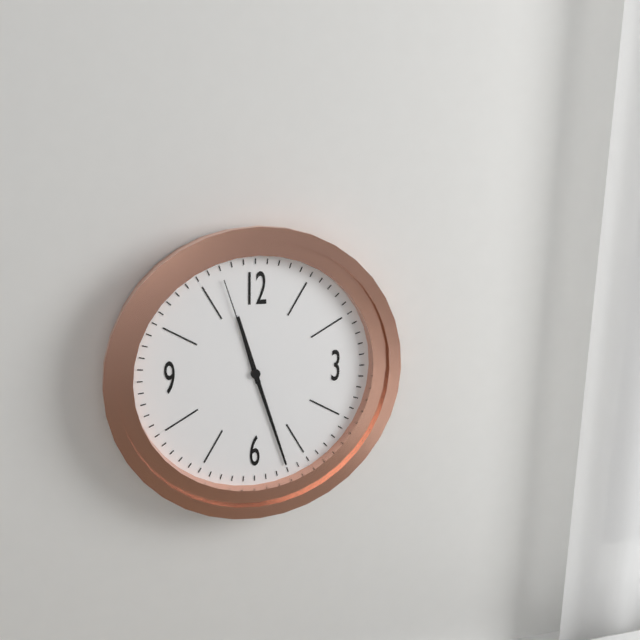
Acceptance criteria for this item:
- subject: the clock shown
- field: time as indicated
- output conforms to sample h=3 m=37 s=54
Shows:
h=11 m=27 s=57
